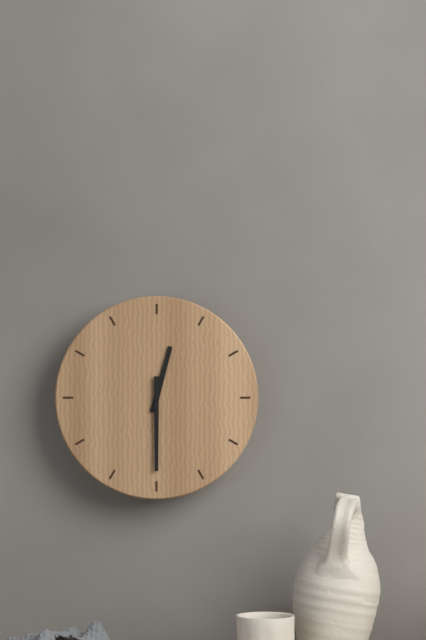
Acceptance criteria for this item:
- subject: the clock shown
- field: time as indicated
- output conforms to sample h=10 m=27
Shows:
h=12 m=30
